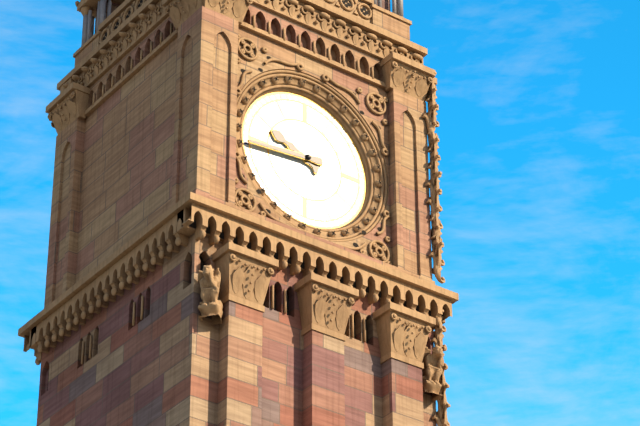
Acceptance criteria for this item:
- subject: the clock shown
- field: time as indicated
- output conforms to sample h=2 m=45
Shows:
h=9 m=44
